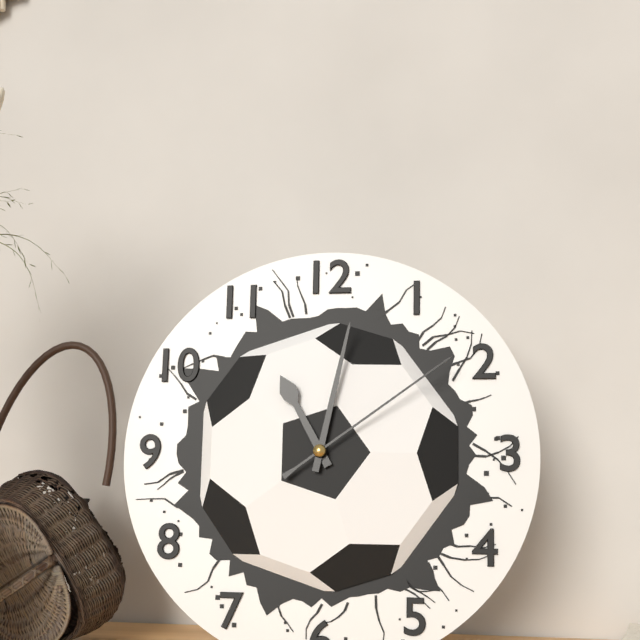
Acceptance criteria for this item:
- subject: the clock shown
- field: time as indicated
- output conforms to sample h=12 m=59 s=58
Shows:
h=11 m=2 s=9
